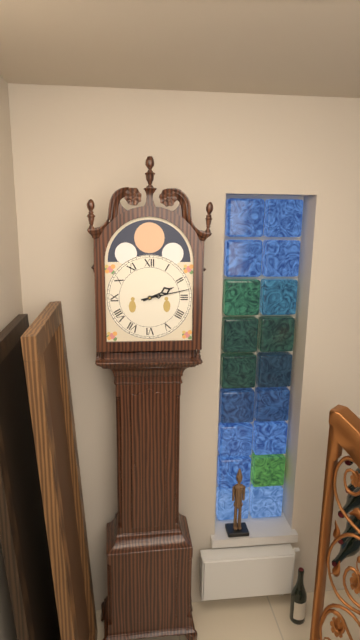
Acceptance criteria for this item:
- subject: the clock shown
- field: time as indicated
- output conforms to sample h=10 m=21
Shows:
h=2 m=13
